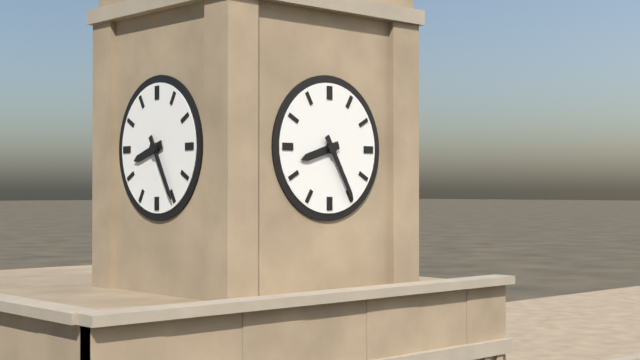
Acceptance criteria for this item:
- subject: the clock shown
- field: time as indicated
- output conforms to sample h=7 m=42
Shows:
h=8 m=25
